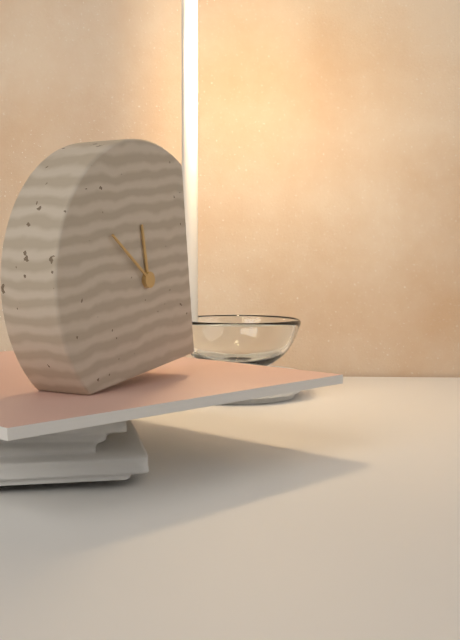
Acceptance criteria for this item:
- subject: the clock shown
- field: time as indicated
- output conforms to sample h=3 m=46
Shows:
h=11 m=52
